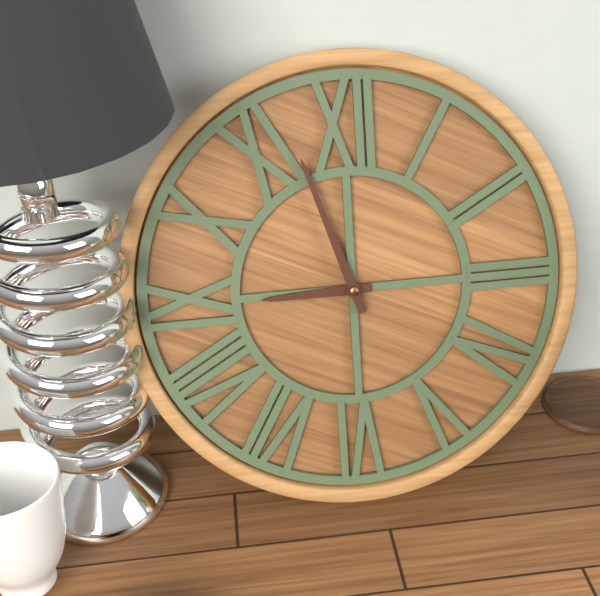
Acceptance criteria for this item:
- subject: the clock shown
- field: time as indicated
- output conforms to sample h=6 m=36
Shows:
h=8 m=57
